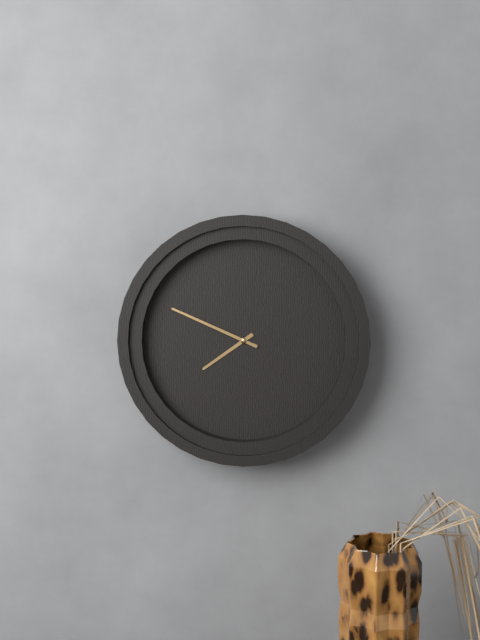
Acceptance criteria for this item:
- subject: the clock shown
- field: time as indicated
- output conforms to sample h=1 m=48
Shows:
h=7 m=49
